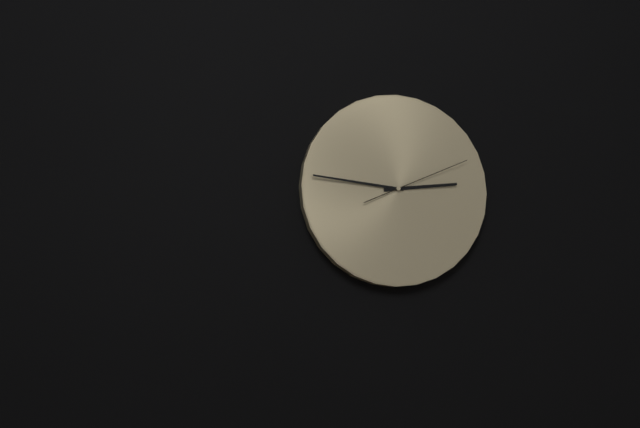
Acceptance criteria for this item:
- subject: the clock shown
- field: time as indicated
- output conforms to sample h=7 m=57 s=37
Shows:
h=2 m=46 s=11
